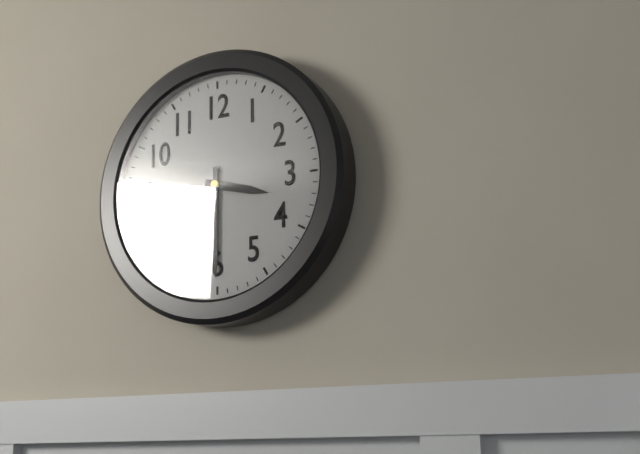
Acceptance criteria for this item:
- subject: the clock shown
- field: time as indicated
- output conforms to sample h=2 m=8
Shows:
h=3 m=30
